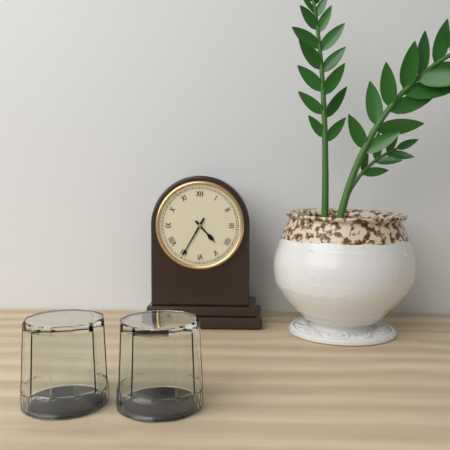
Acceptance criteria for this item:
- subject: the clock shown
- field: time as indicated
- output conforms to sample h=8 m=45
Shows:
h=4 m=35
